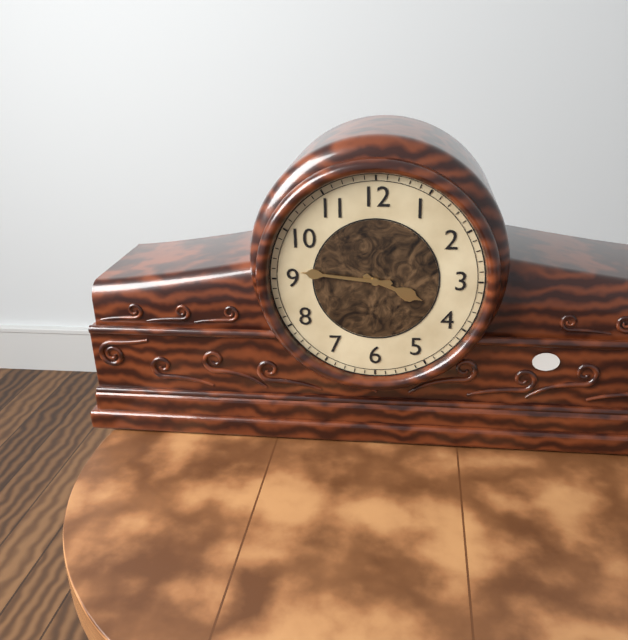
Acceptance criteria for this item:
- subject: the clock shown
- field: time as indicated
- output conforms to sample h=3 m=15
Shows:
h=3 m=46
